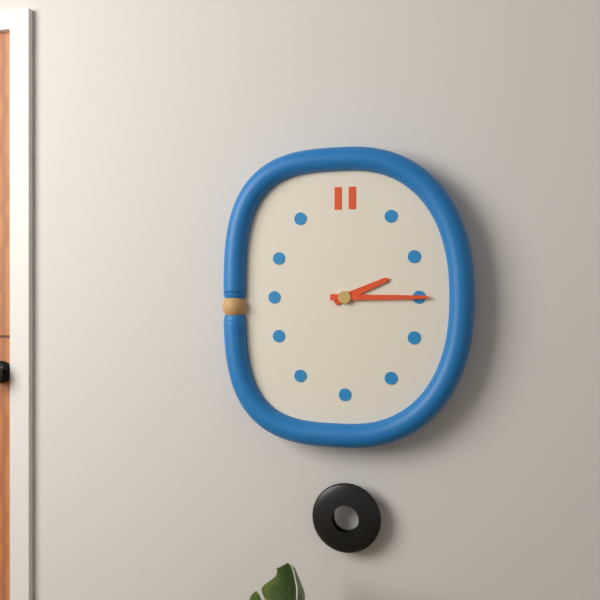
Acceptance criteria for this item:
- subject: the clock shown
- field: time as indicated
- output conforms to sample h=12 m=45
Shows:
h=2 m=15
